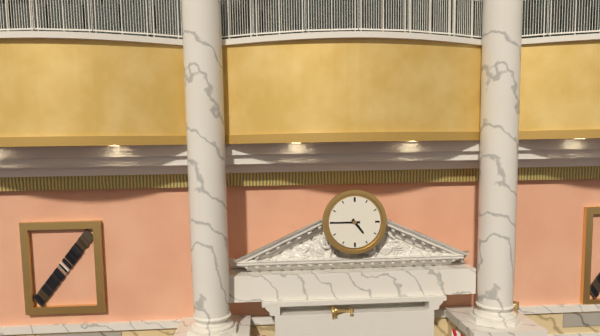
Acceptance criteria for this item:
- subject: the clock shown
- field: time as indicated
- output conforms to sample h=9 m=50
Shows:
h=4 m=45
